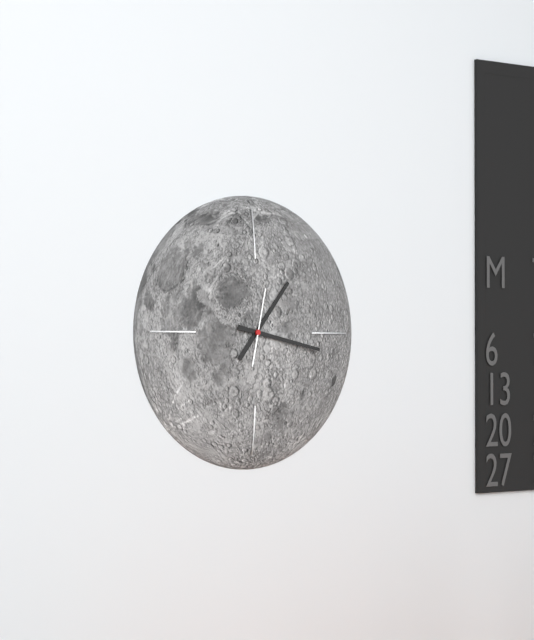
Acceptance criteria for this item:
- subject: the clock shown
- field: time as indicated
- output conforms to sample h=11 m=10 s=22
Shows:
h=1 m=17 s=2
